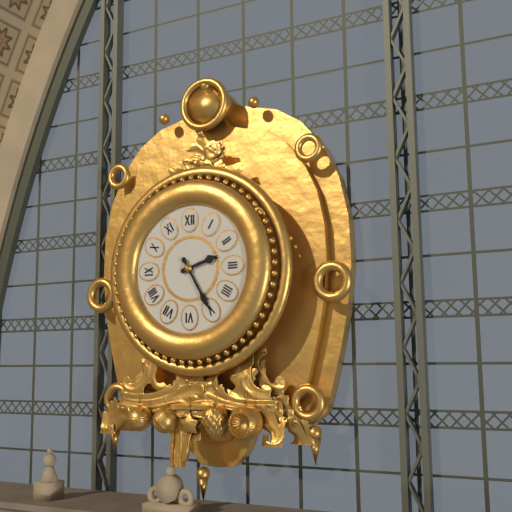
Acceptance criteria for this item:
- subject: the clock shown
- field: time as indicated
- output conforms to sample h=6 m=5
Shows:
h=2 m=25
